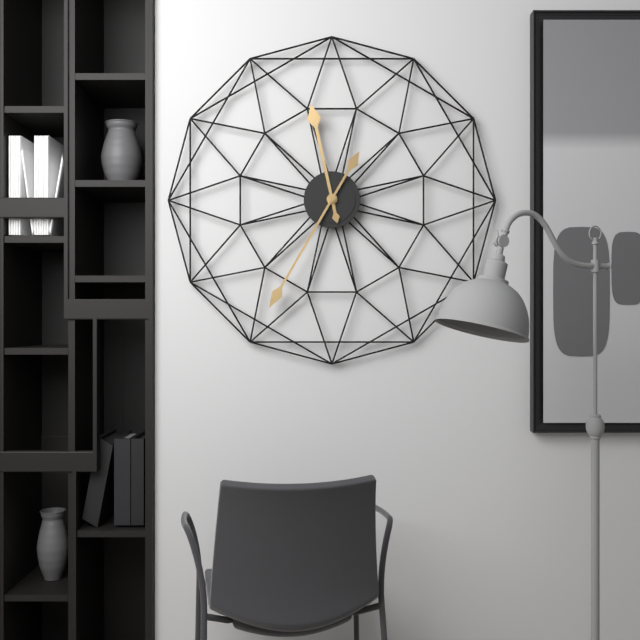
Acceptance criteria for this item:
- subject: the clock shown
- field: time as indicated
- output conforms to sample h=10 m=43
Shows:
h=11 m=35
